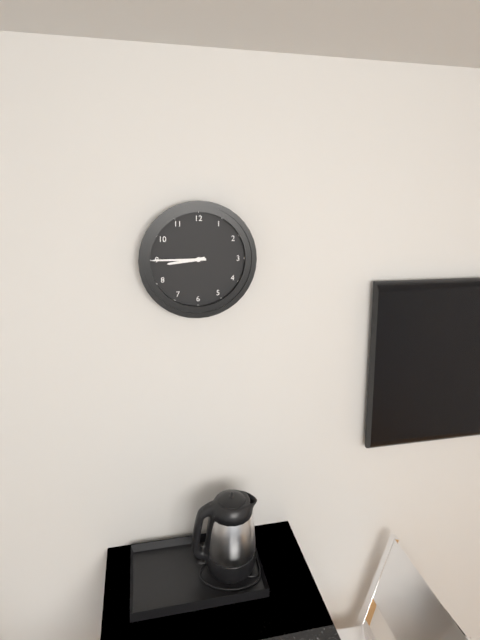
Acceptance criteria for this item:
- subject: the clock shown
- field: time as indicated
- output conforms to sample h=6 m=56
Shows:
h=8 m=45
